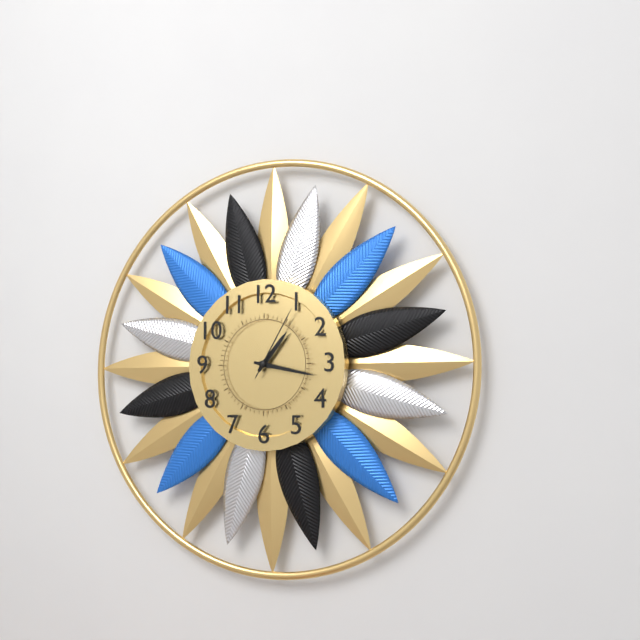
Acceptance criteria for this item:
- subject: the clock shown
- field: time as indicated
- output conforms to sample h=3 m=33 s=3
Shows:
h=1 m=17 s=5
